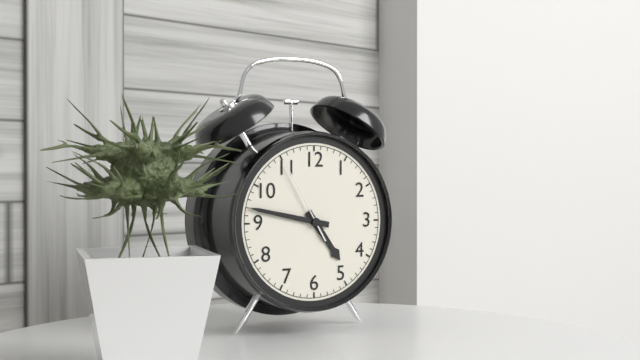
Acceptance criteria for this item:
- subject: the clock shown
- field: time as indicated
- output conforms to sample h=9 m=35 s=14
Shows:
h=4 m=47 s=55
